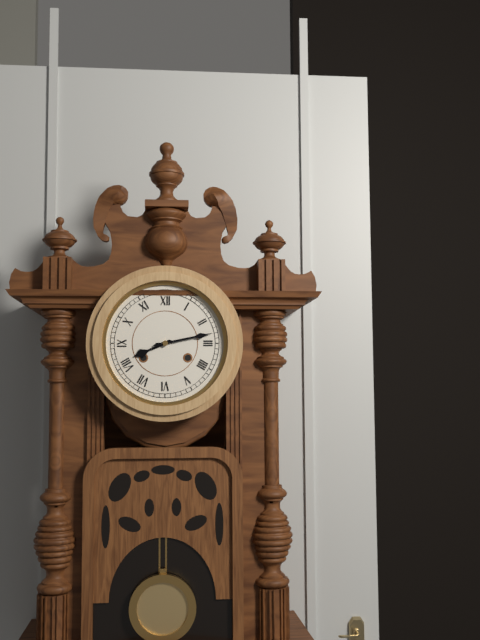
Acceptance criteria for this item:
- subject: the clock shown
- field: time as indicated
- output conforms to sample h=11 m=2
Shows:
h=8 m=13
